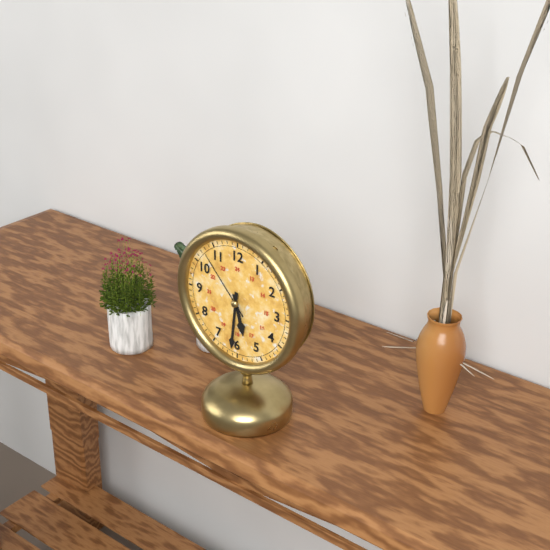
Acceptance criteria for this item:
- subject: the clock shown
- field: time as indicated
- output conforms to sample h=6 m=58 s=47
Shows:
h=5 m=31 s=53
